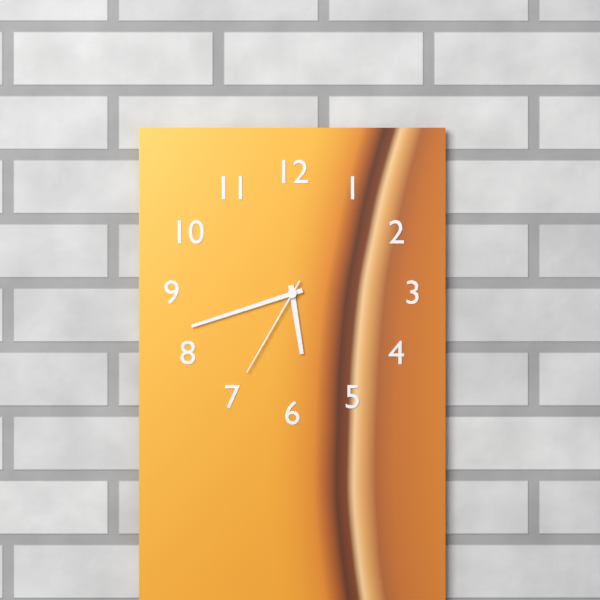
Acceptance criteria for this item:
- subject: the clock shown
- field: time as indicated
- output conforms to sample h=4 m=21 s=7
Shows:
h=5 m=42 s=35
